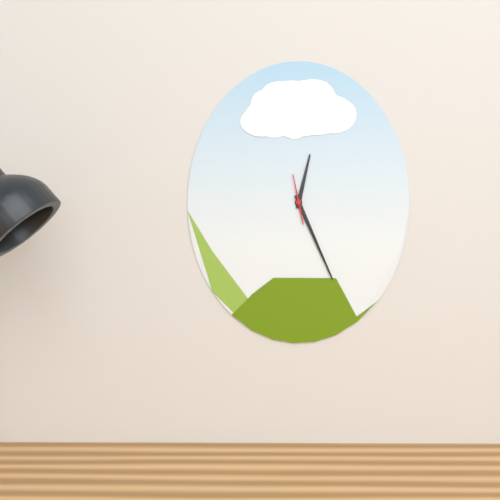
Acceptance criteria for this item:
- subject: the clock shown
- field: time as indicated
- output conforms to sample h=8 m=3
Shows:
h=12 m=26
